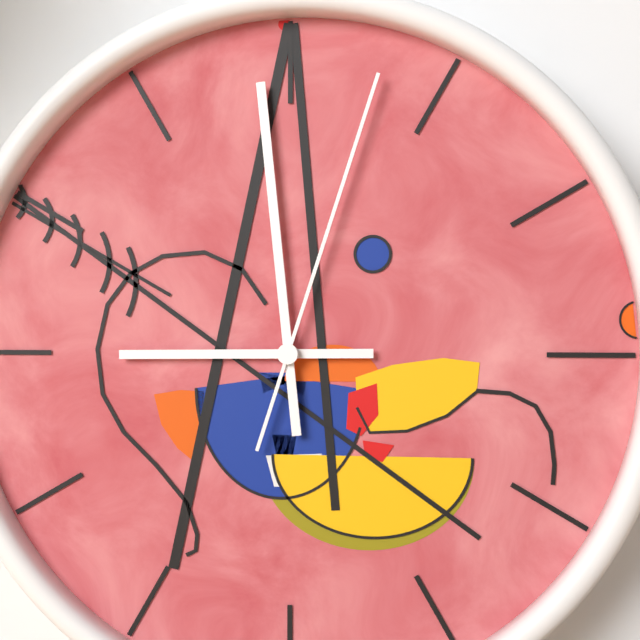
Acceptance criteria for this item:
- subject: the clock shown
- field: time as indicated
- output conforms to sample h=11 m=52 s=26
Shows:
h=8 m=59 s=3
